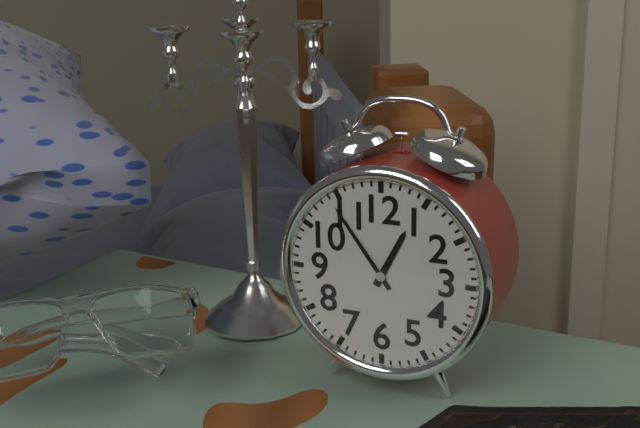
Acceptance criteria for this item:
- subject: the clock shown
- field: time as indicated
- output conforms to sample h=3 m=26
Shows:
h=12 m=54
